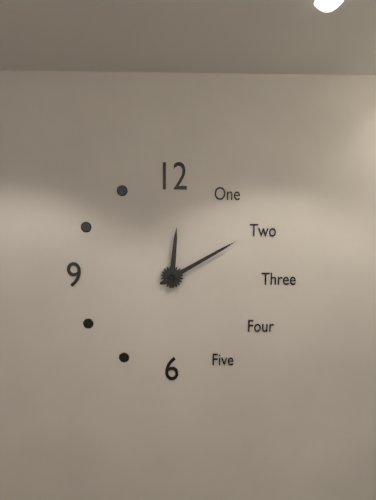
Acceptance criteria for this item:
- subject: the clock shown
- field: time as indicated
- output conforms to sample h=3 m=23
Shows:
h=12 m=10
